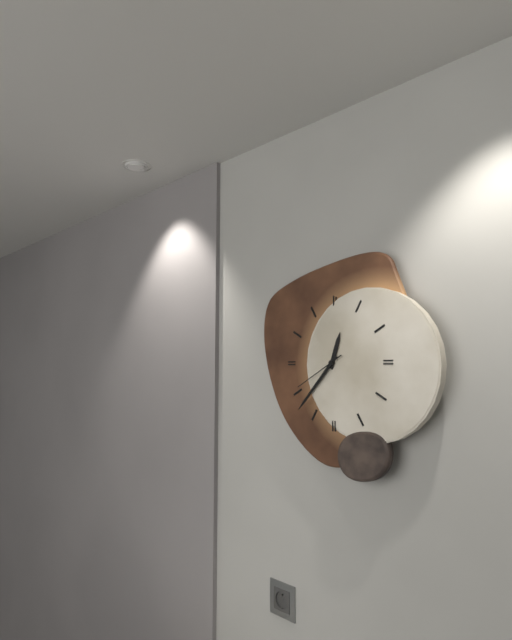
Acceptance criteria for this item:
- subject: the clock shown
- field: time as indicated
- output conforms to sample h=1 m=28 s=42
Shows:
h=12 m=37 s=40
